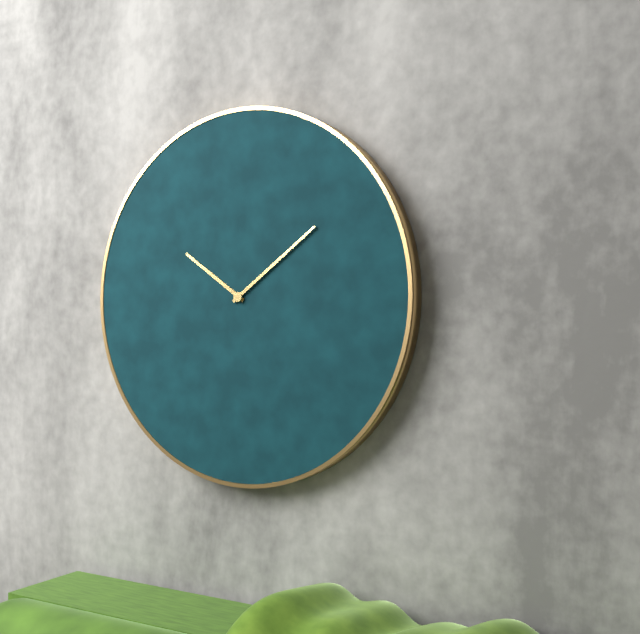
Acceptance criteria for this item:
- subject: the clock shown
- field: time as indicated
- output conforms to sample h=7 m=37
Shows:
h=10 m=9
